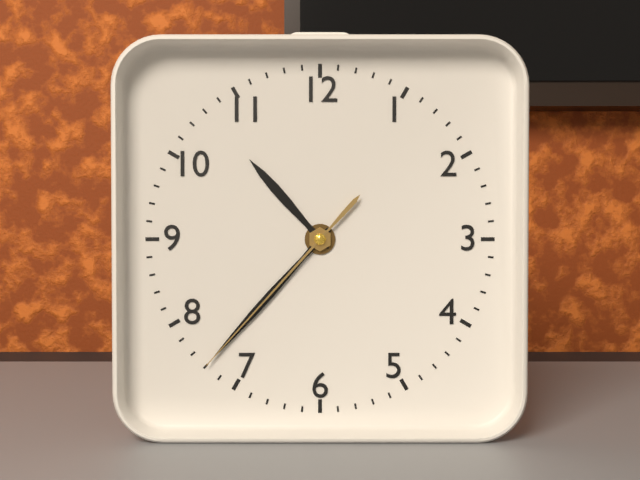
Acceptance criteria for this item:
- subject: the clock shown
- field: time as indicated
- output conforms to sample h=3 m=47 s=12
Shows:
h=10 m=37 s=37
